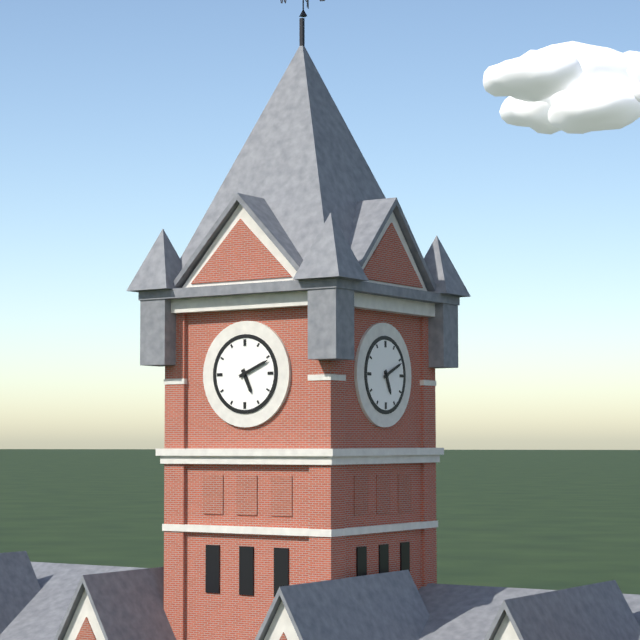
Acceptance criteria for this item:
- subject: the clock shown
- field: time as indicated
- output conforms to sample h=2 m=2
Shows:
h=5 m=11
